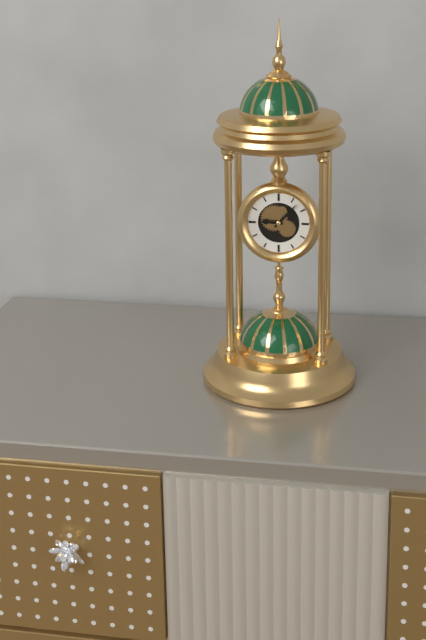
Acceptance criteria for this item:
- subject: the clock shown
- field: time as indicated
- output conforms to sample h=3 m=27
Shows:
h=9 m=7
